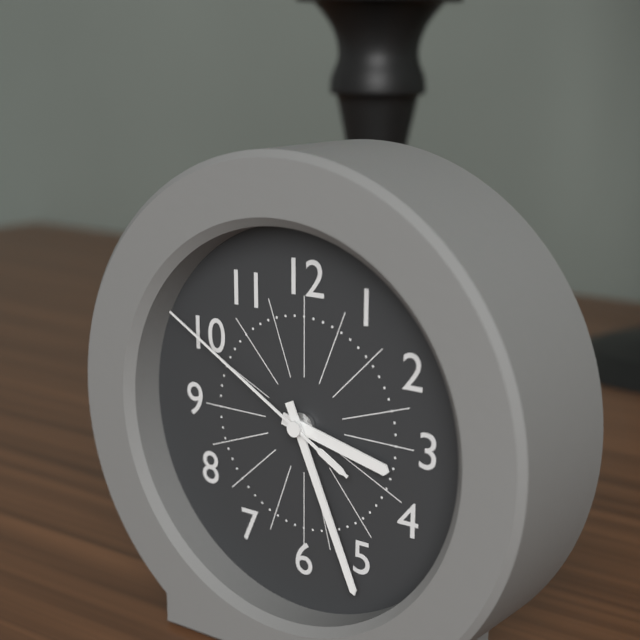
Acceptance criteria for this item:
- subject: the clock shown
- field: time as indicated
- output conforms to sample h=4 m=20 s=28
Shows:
h=3 m=26 s=50
